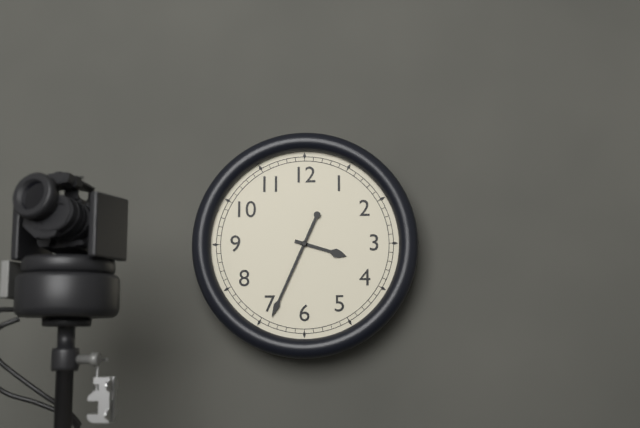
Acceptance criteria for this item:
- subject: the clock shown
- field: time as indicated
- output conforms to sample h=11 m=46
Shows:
h=3 m=34
